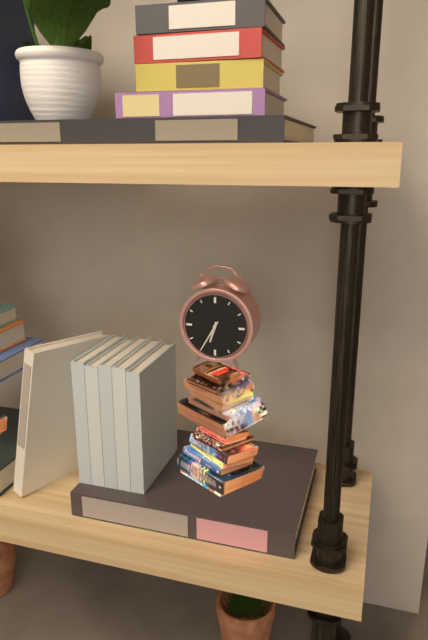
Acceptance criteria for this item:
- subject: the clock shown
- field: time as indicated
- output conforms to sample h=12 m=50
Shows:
h=6 m=35
